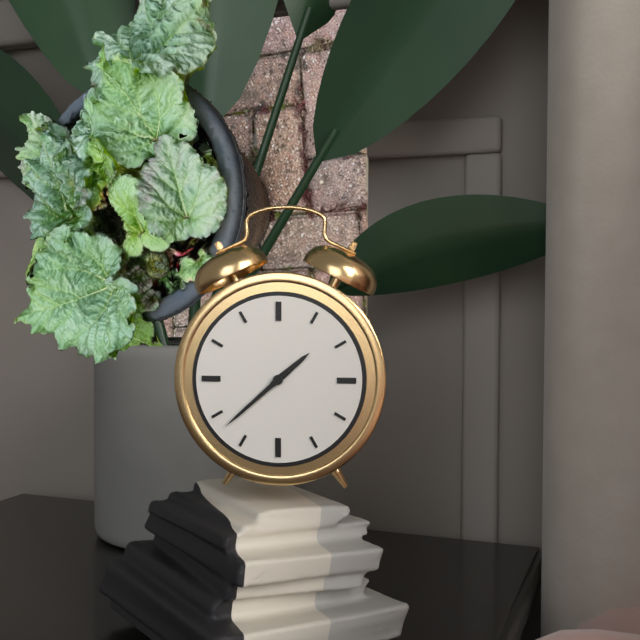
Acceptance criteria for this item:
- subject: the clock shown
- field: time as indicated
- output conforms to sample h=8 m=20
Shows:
h=1 m=38
